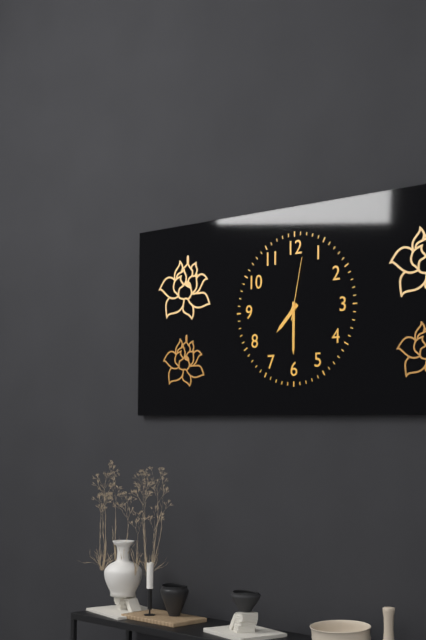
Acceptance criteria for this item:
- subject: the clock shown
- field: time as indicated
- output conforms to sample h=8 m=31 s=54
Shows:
h=7 m=30 s=2
